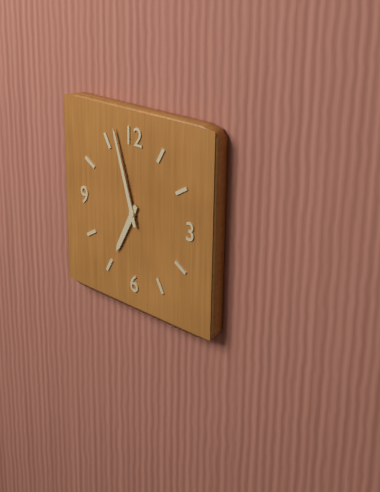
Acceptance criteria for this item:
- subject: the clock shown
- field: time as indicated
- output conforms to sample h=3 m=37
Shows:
h=6 m=57
